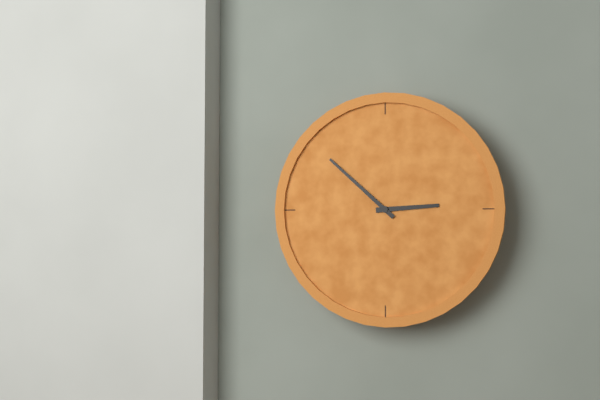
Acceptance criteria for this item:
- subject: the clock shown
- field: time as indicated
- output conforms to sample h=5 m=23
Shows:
h=2 m=52
